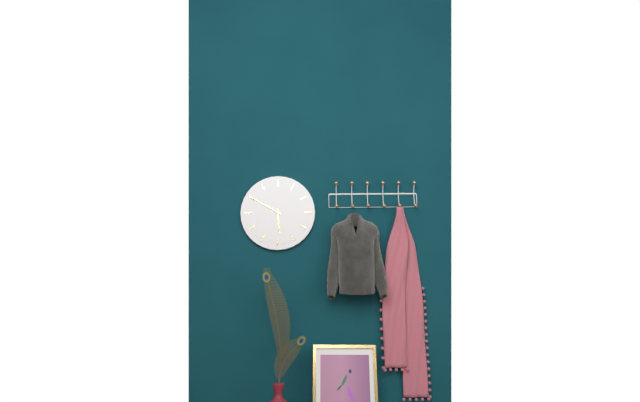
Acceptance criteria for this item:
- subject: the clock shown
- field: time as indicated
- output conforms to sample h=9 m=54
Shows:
h=5 m=50
